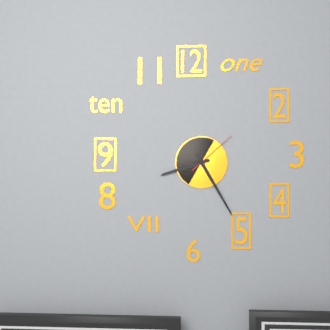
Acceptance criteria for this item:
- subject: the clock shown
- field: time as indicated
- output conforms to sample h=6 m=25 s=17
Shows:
h=8 m=25 s=8
